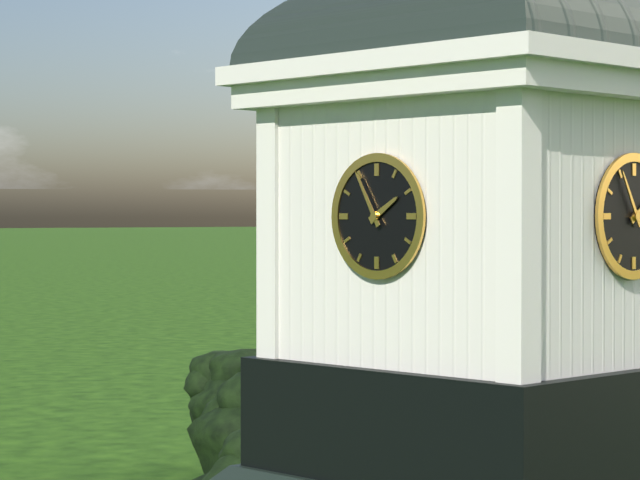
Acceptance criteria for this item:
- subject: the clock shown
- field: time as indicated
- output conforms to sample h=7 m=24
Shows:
h=1 m=55
